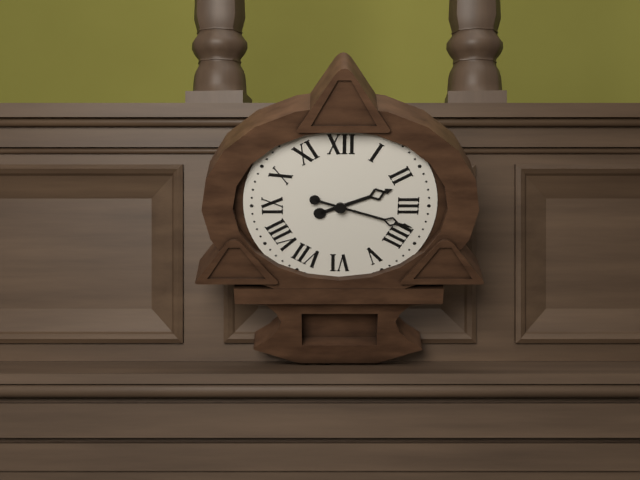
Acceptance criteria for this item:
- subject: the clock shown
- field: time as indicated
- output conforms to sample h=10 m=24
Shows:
h=2 m=18
